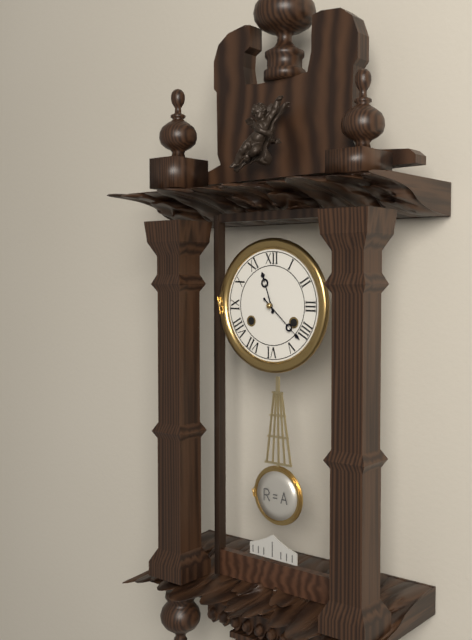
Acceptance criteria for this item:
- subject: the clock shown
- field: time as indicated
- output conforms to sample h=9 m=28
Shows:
h=11 m=22
